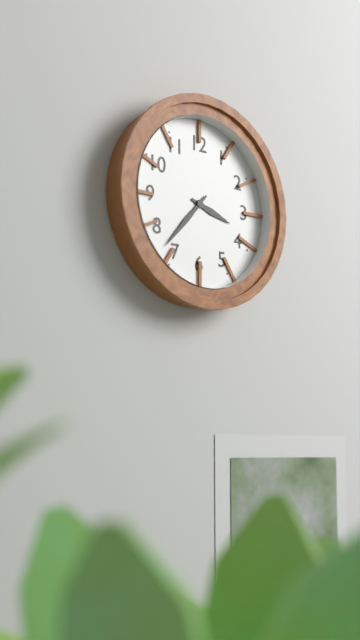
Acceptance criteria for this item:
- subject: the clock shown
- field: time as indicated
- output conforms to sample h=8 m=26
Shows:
h=3 m=37
